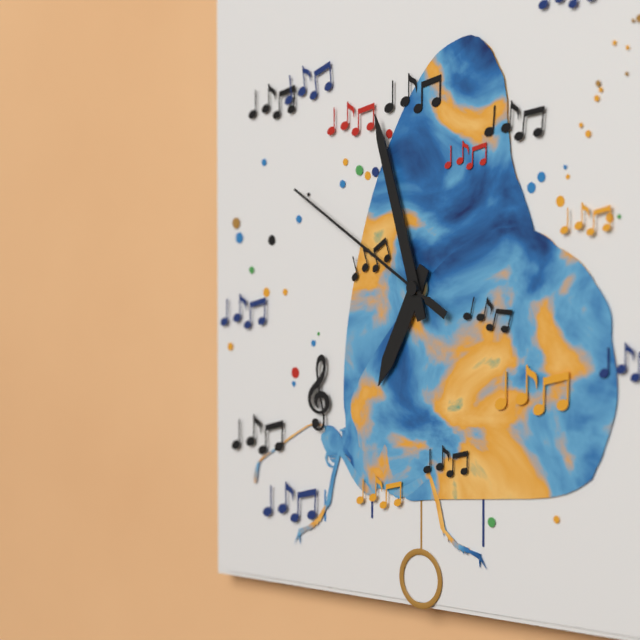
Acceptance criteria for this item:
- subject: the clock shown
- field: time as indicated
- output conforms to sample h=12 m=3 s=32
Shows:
h=6 m=57 s=50
